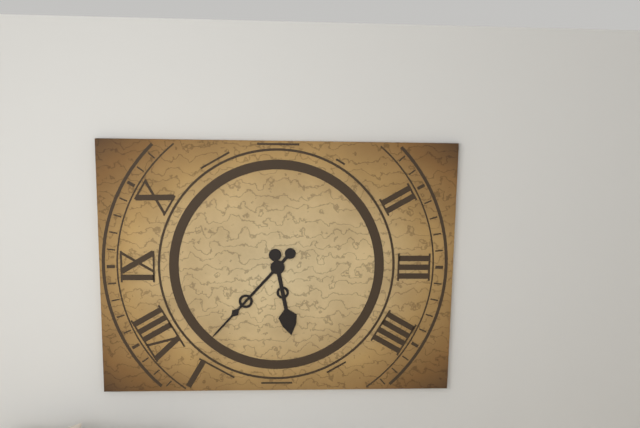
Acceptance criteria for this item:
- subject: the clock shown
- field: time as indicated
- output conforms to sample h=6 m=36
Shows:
h=5 m=37
